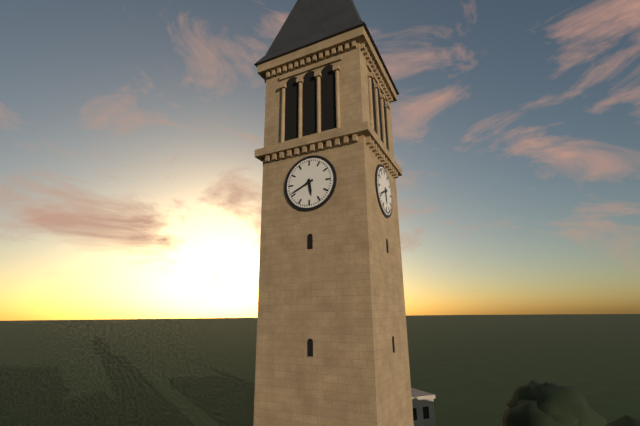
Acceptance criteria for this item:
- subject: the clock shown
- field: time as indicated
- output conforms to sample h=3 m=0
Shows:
h=5 m=41
